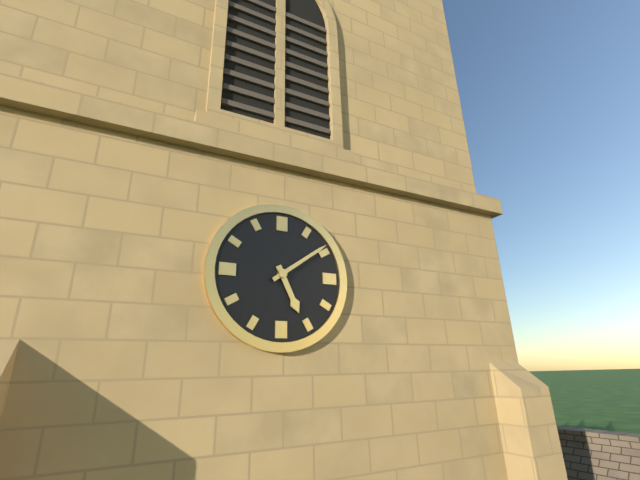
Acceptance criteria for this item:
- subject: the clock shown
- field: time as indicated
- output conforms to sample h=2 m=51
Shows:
h=5 m=9
